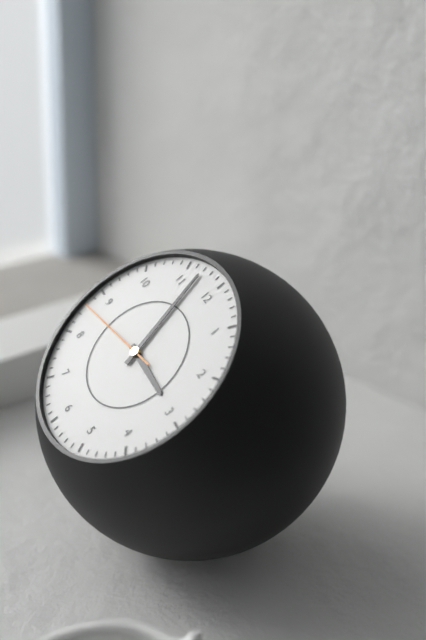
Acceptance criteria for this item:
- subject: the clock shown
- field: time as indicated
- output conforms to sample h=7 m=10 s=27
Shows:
h=2 m=57 s=43
